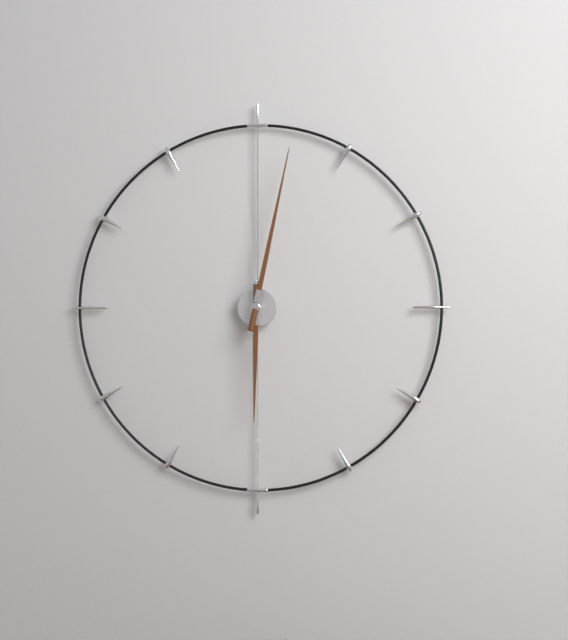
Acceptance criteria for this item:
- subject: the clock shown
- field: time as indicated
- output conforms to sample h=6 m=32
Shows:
h=6 m=2
